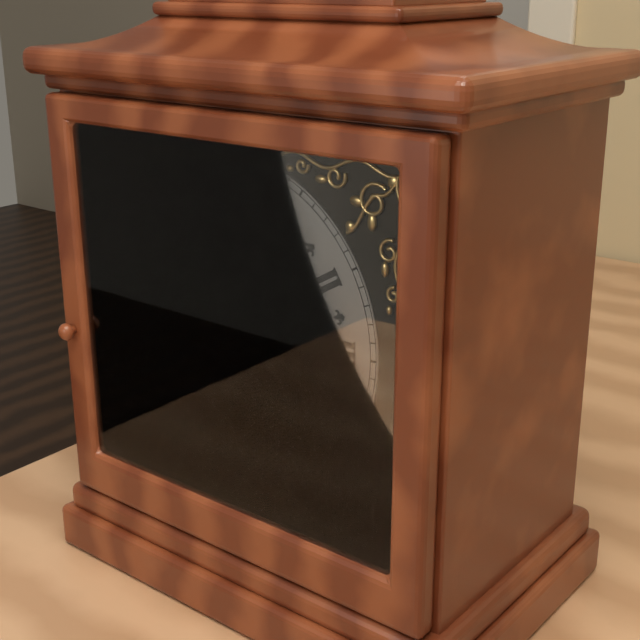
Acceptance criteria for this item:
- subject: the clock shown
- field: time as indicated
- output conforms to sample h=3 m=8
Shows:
h=6 m=30
